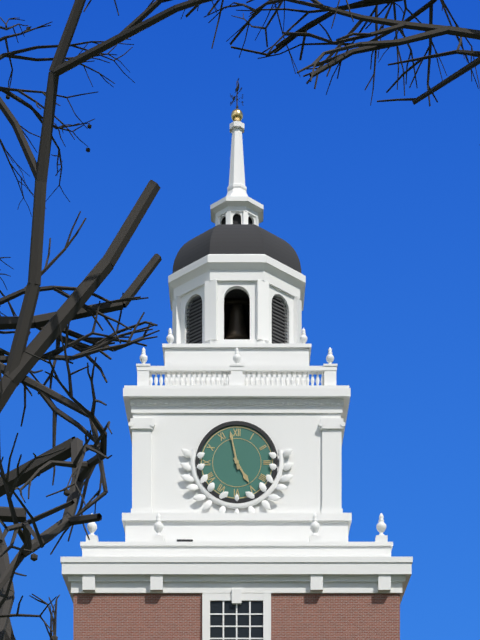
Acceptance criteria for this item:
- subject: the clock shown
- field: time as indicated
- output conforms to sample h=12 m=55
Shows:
h=4 m=58
